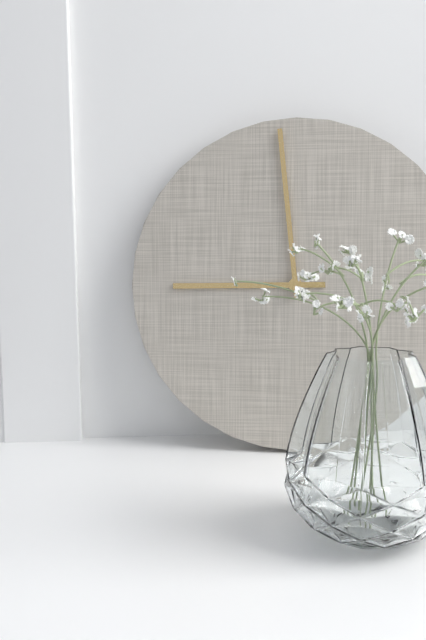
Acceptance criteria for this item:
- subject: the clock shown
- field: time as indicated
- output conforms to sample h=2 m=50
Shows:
h=8 m=59
